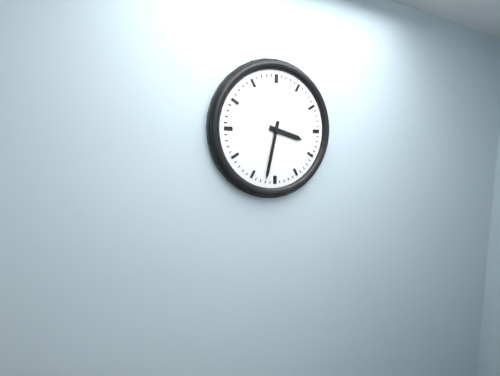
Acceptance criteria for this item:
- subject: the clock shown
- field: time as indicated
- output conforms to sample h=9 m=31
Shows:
h=3 m=32
